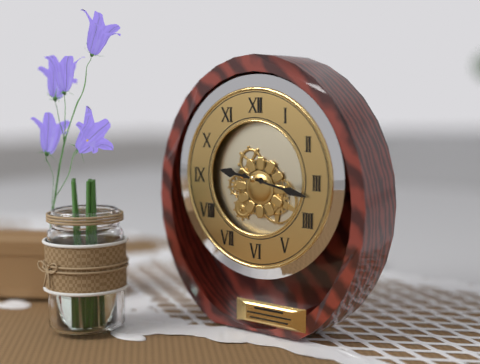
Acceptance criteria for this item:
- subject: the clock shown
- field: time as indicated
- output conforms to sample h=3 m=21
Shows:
h=9 m=17
